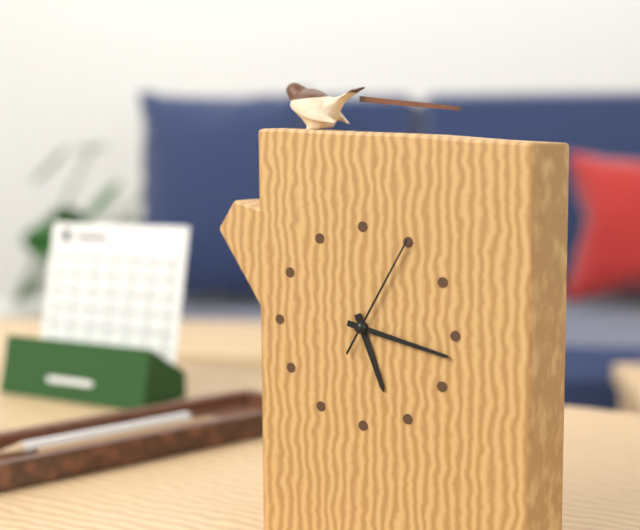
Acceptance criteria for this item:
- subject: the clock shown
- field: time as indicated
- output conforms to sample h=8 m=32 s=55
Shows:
h=5 m=17 s=5
